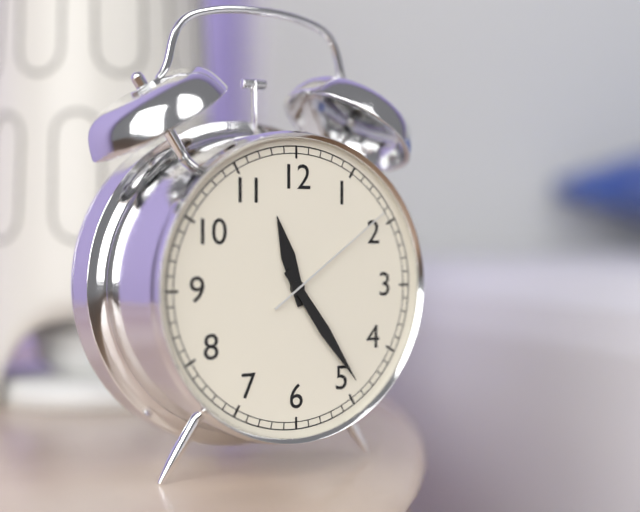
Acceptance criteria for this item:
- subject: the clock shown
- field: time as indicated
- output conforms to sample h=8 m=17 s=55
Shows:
h=11 m=24 s=9
